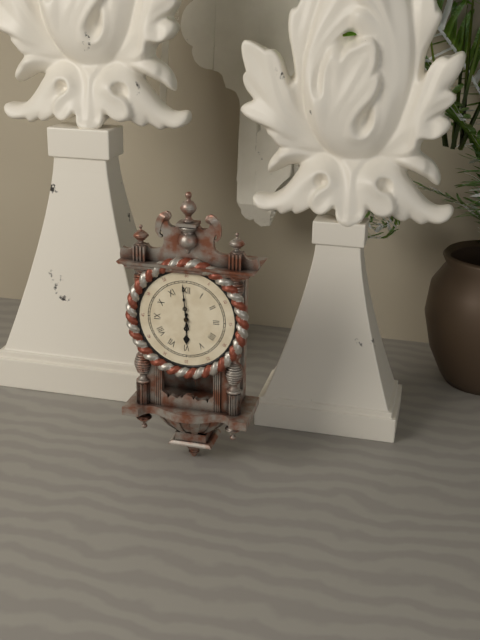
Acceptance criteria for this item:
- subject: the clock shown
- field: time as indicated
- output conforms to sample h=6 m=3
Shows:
h=5 m=59
